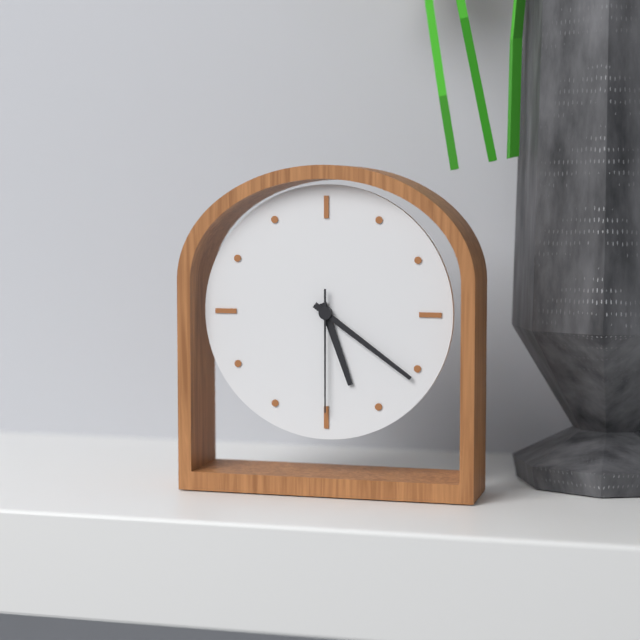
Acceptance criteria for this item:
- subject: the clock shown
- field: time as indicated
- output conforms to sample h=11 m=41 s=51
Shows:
h=5 m=21 s=30
